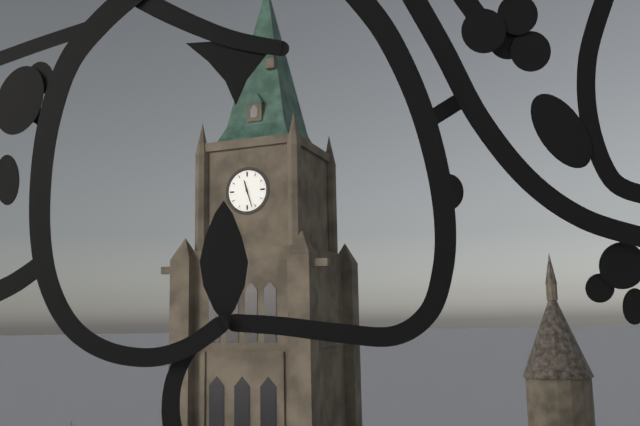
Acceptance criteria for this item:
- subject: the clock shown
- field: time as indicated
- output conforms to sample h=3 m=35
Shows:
h=11 m=27
